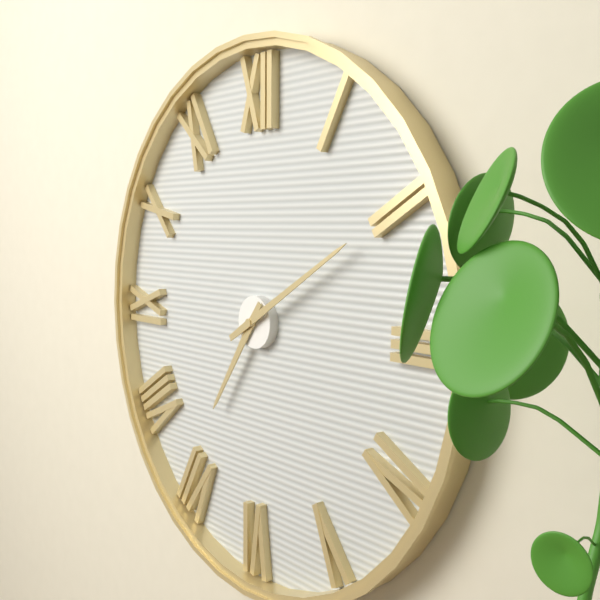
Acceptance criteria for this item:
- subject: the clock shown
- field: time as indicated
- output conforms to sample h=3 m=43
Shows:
h=7 m=10
